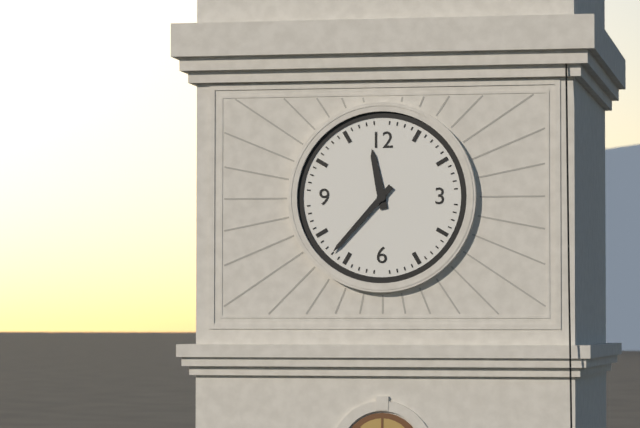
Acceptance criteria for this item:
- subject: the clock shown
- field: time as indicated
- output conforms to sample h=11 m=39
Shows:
h=11 m=37
